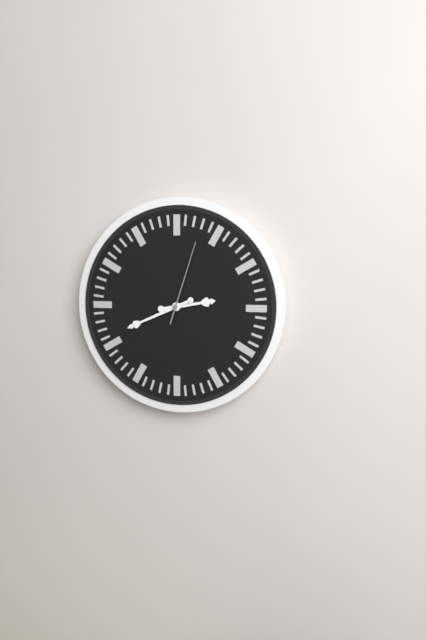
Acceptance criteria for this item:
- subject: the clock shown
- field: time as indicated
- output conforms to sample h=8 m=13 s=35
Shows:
h=2 m=41 s=3
